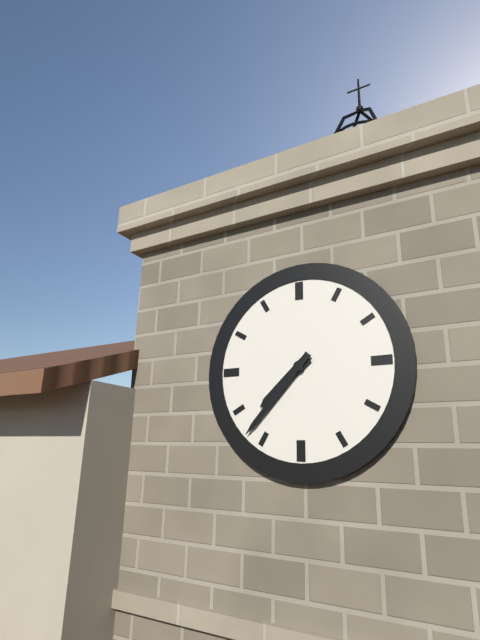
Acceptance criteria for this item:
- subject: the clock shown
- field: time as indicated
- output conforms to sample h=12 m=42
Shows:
h=7 m=37
